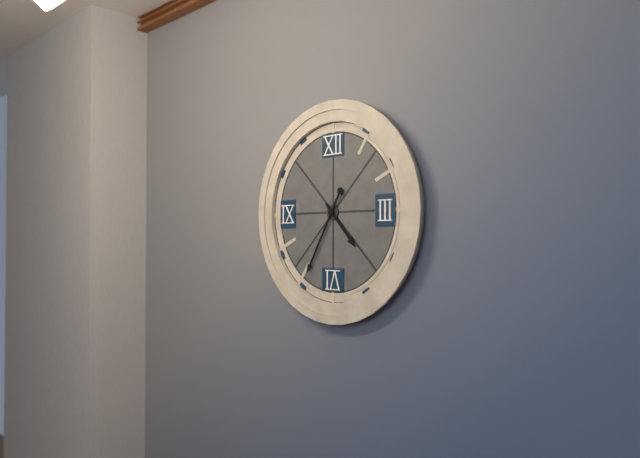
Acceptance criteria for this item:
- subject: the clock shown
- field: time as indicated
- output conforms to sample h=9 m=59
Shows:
h=4 m=35
